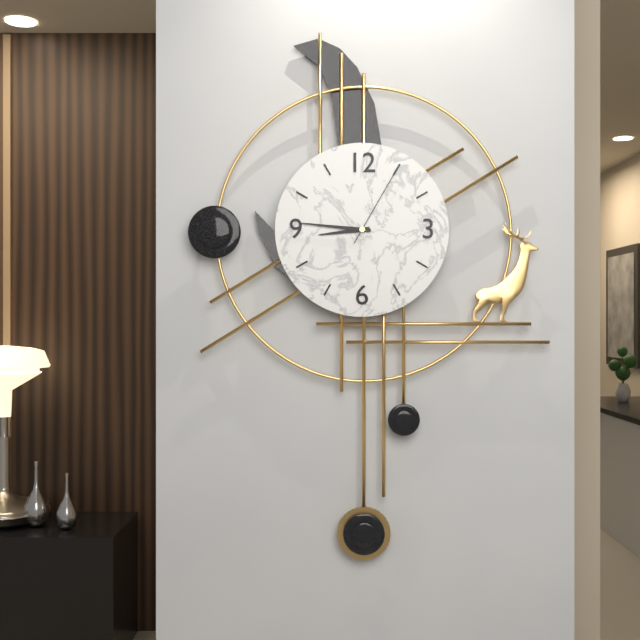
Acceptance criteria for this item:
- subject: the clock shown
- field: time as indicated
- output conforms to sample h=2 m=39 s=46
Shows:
h=8 m=46 s=5
